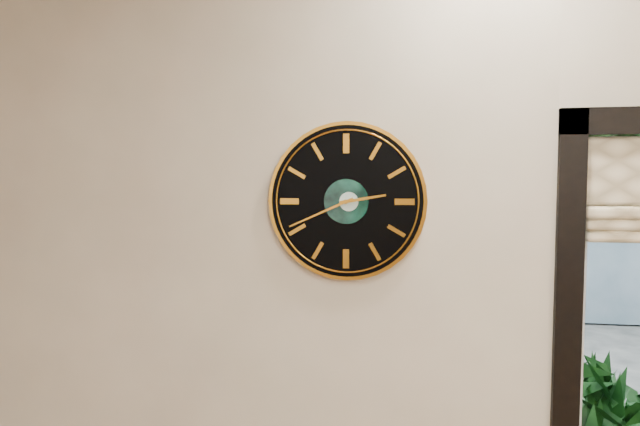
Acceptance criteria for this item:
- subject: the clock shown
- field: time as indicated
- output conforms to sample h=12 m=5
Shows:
h=2 m=41
